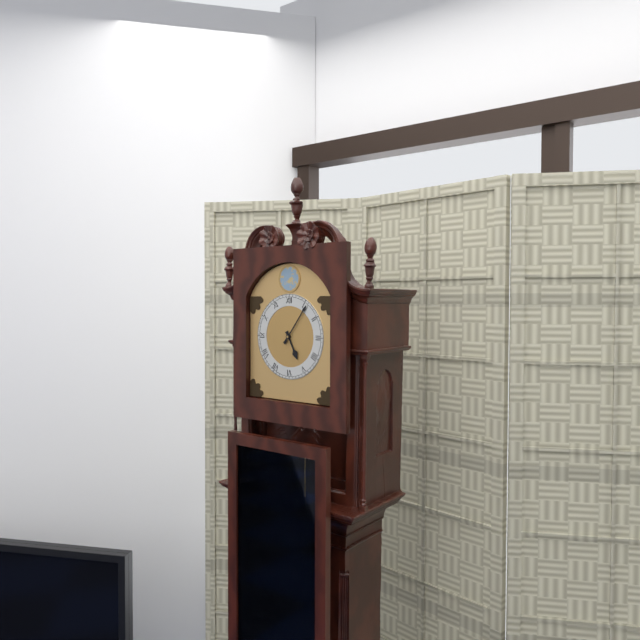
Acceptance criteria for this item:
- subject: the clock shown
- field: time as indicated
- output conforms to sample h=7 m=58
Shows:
h=5 m=6
